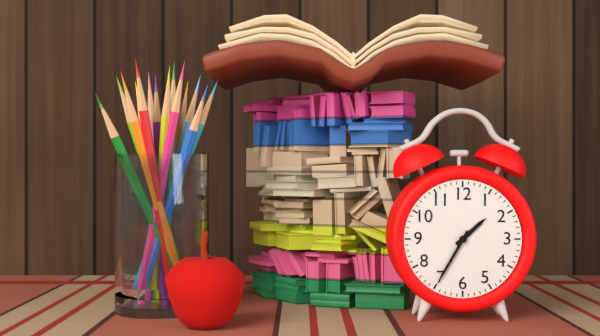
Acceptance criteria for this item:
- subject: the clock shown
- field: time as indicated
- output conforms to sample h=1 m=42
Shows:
h=1 m=35
